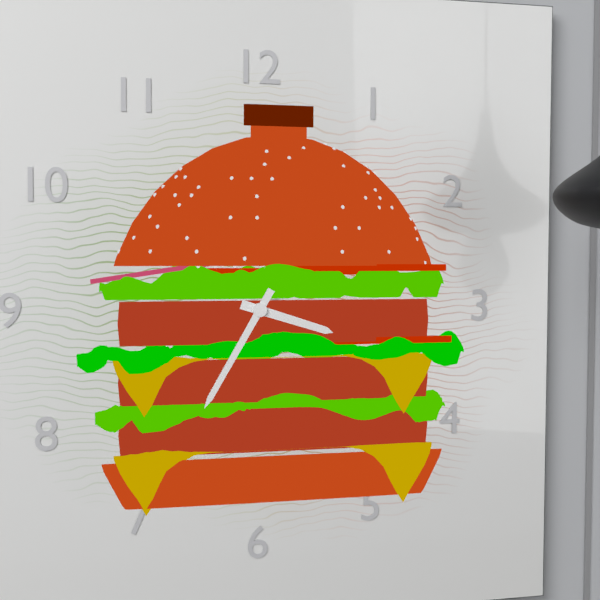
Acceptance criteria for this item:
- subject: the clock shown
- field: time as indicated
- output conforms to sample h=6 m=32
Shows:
h=3 m=35
